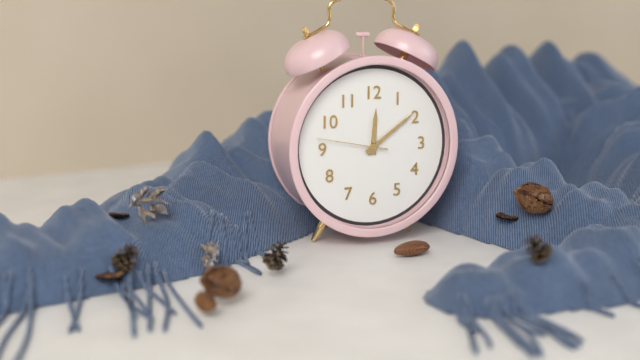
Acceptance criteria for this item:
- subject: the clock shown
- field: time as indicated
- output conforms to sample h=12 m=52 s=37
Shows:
h=12 m=9 s=47
